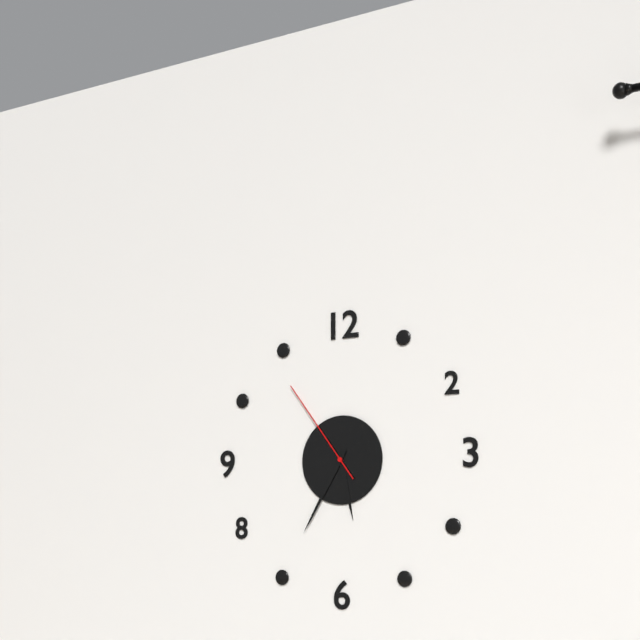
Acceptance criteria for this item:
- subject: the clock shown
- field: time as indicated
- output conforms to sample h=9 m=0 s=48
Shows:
h=5 m=35 s=54
